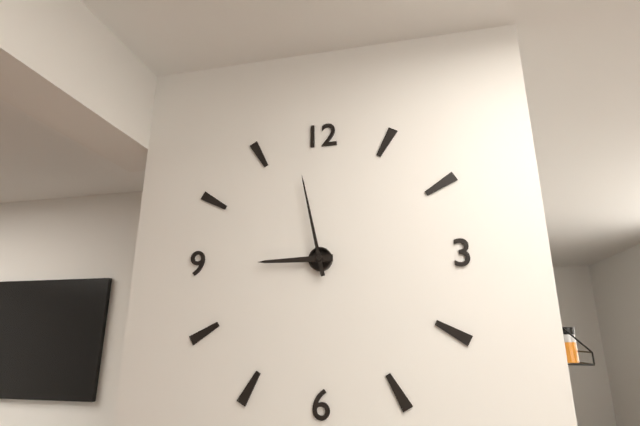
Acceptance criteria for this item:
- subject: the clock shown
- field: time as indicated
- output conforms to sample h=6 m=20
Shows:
h=8 m=58
